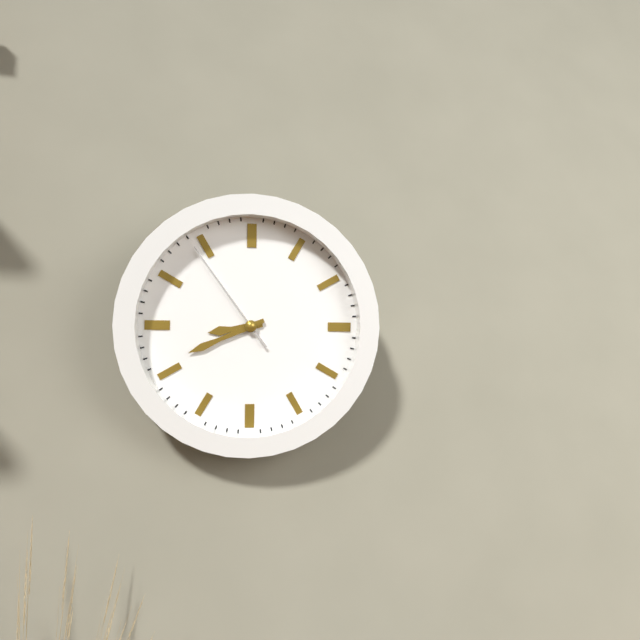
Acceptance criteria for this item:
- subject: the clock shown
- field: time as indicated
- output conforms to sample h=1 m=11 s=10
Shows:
h=8 m=41 s=54
